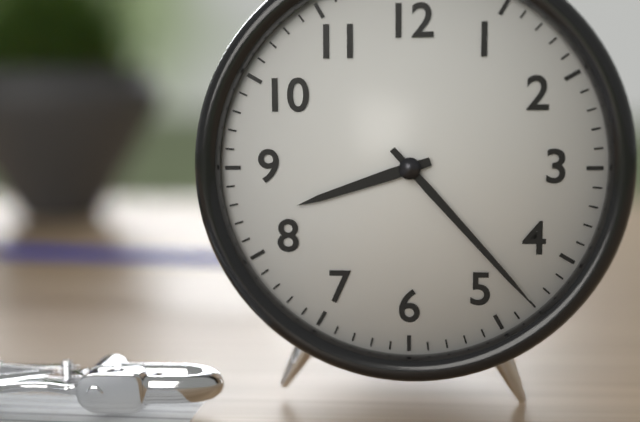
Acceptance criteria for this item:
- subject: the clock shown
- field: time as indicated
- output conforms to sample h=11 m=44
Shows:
h=8 m=23
